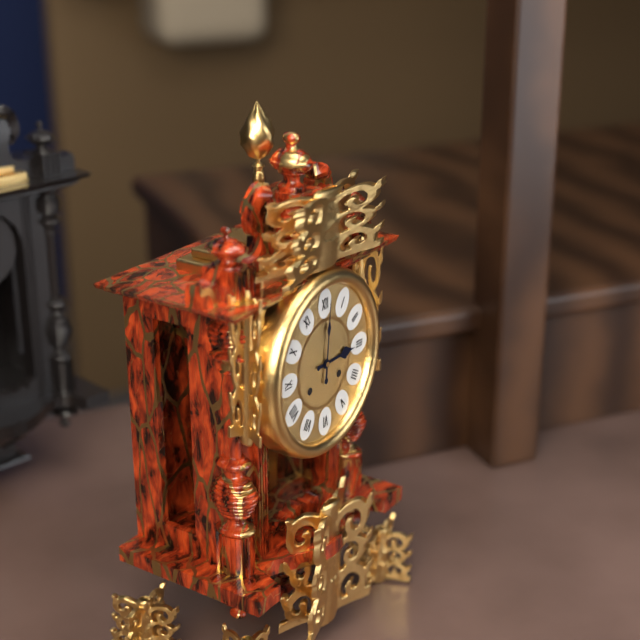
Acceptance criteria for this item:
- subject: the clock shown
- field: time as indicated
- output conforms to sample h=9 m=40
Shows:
h=3 m=1
